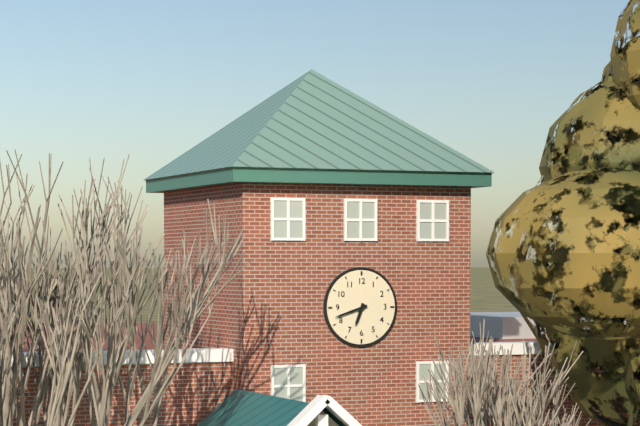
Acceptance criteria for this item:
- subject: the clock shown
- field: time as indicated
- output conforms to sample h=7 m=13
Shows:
h=6 m=42
